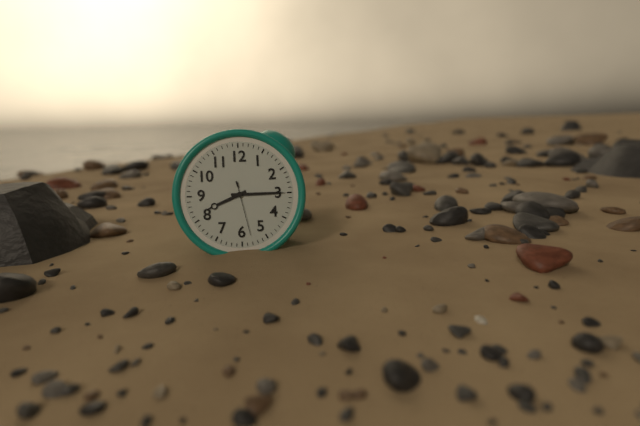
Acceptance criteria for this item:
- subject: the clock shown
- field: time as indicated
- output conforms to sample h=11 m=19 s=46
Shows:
h=8 m=15 s=28
